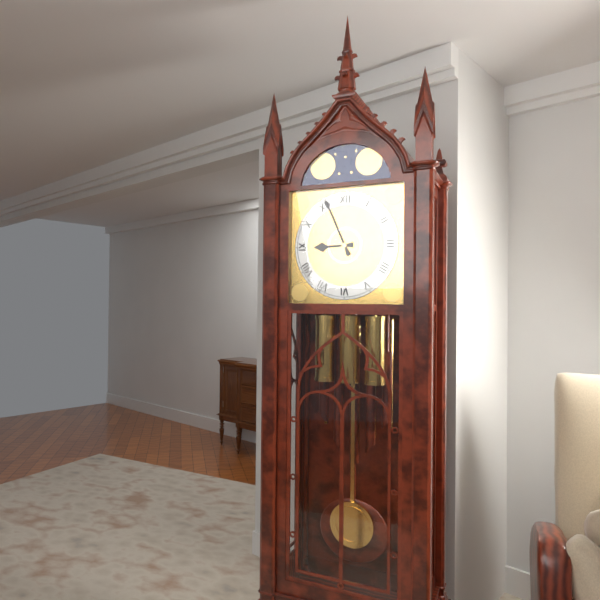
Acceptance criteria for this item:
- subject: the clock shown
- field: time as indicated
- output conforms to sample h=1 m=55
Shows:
h=8 m=56
